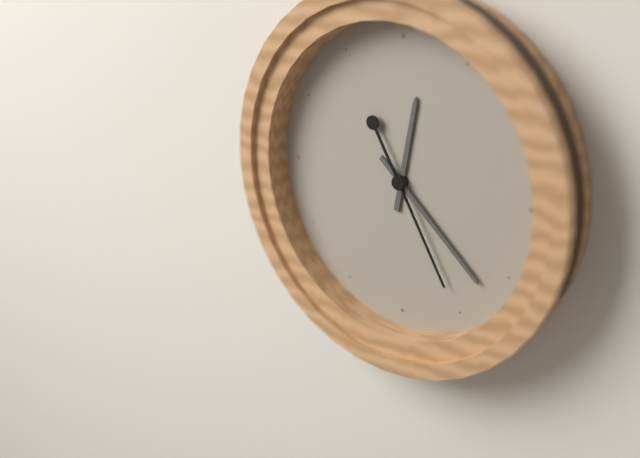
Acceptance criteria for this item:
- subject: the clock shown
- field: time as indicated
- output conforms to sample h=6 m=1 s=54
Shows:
h=12 m=22 s=25
